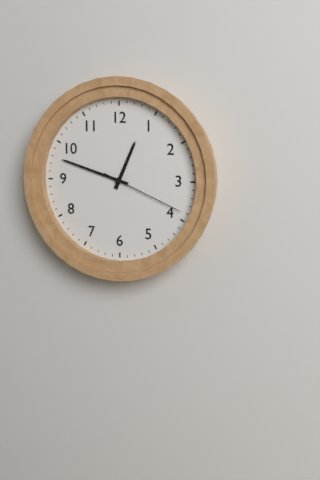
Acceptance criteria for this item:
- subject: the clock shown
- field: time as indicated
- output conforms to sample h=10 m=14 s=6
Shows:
h=12 m=48 s=19
